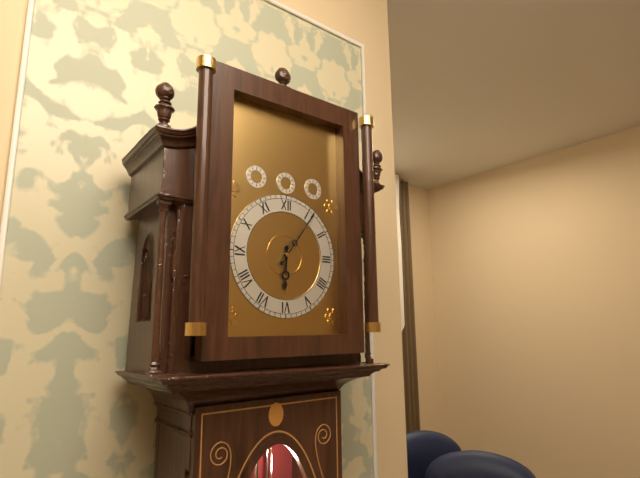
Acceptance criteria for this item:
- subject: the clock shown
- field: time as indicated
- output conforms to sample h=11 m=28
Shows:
h=6 m=6
